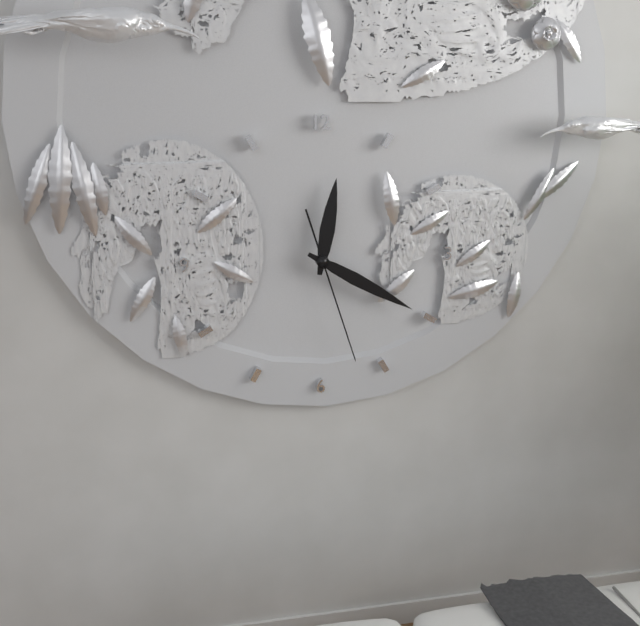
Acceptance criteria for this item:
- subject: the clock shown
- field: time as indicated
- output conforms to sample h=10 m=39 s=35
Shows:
h=12 m=20 s=27
